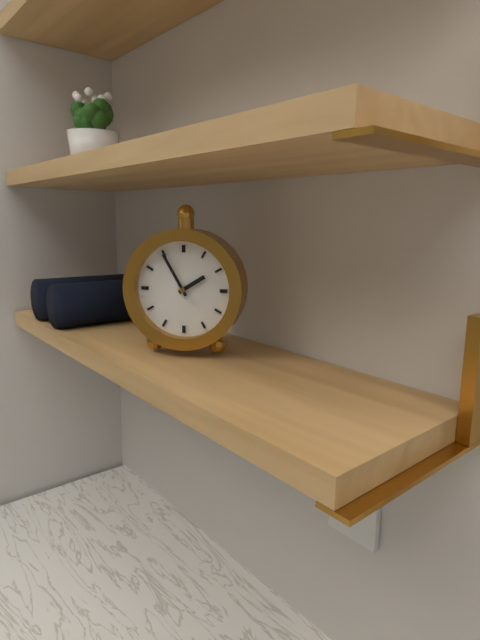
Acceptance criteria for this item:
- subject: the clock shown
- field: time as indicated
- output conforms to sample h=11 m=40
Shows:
h=1 m=55
